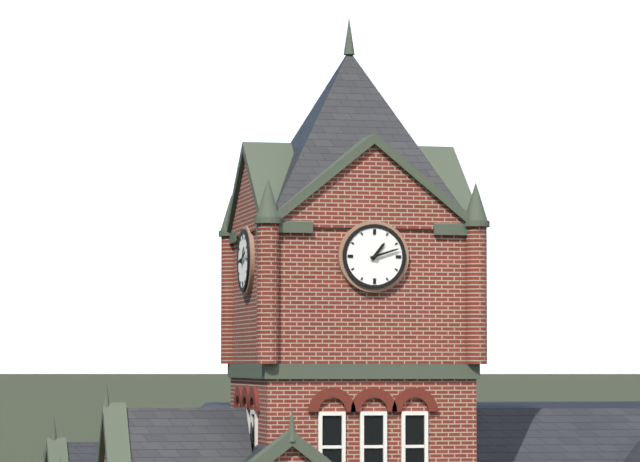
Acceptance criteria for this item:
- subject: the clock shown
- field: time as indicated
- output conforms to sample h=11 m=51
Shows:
h=1 m=12
